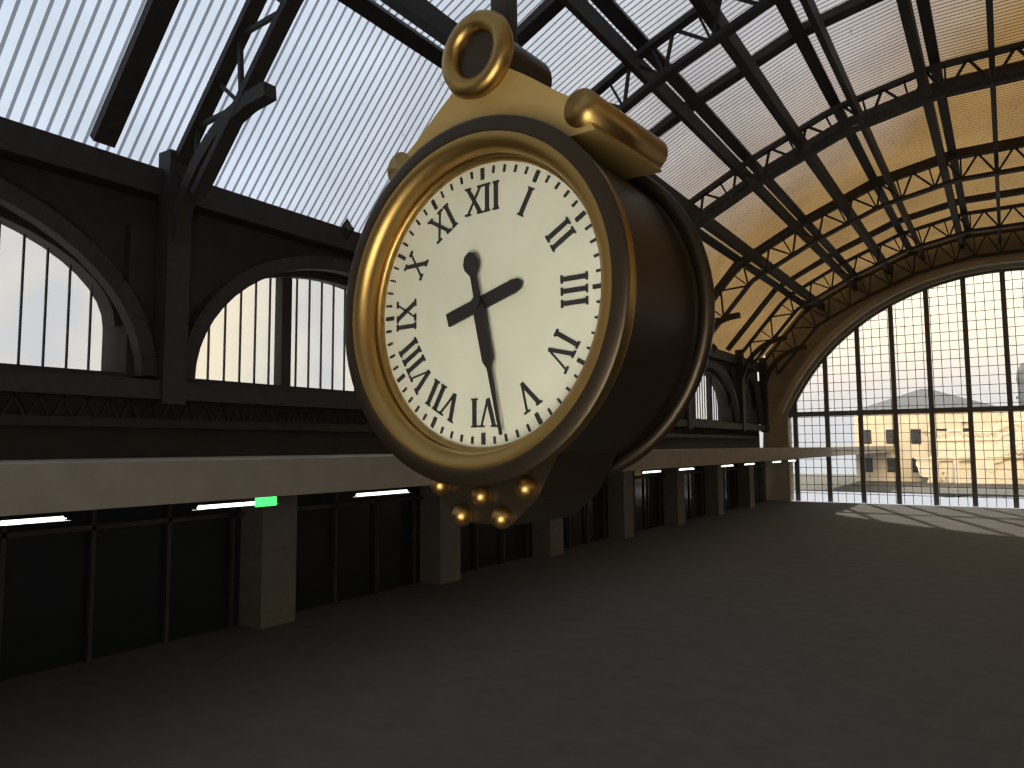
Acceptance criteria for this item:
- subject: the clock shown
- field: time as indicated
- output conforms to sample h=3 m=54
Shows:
h=2 m=28
